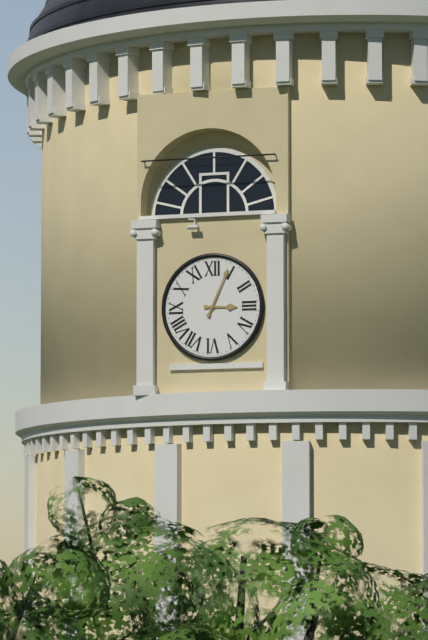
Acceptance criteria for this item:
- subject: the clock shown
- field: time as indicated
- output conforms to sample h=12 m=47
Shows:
h=3 m=4
